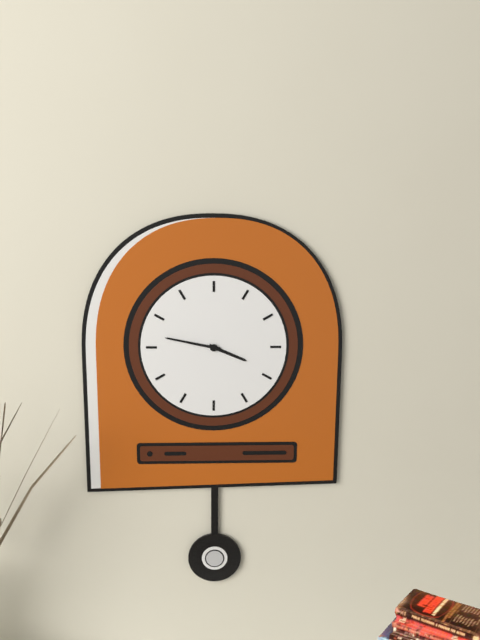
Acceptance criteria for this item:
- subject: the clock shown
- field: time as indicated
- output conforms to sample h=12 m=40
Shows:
h=3 m=47
